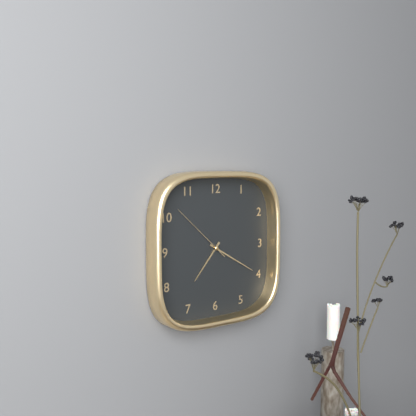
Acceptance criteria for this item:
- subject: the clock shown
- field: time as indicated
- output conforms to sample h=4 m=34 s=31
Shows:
h=7 m=20 s=52
